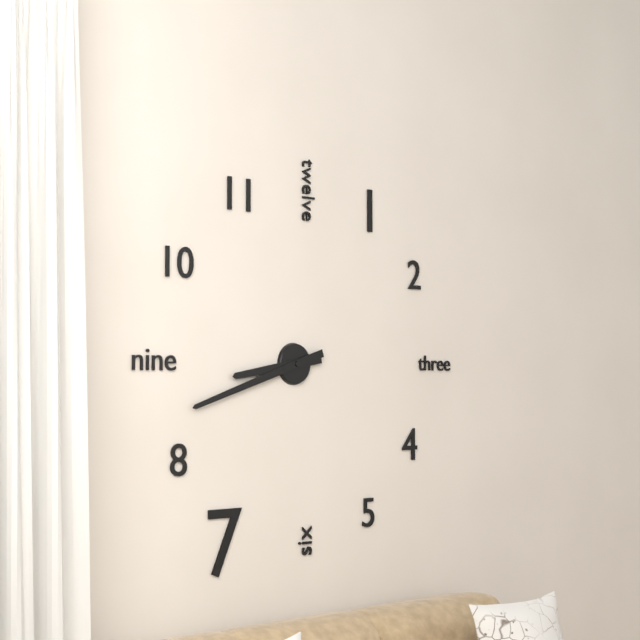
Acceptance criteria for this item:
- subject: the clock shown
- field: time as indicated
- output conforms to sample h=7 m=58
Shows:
h=8 m=42
